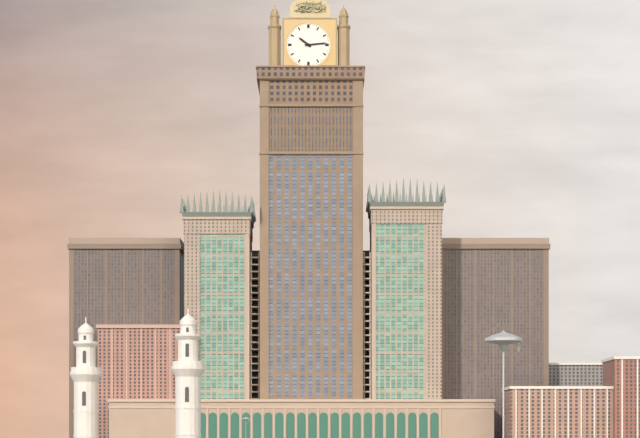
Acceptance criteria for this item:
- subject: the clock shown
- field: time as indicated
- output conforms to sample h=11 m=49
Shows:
h=10 m=14
